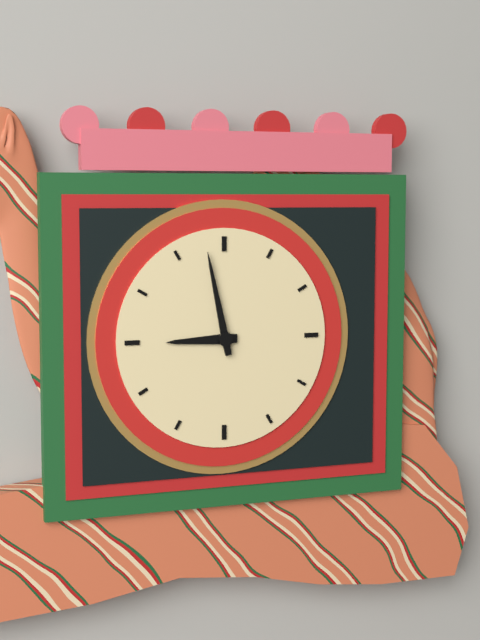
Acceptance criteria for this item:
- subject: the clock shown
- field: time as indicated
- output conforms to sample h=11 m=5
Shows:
h=8 m=58
